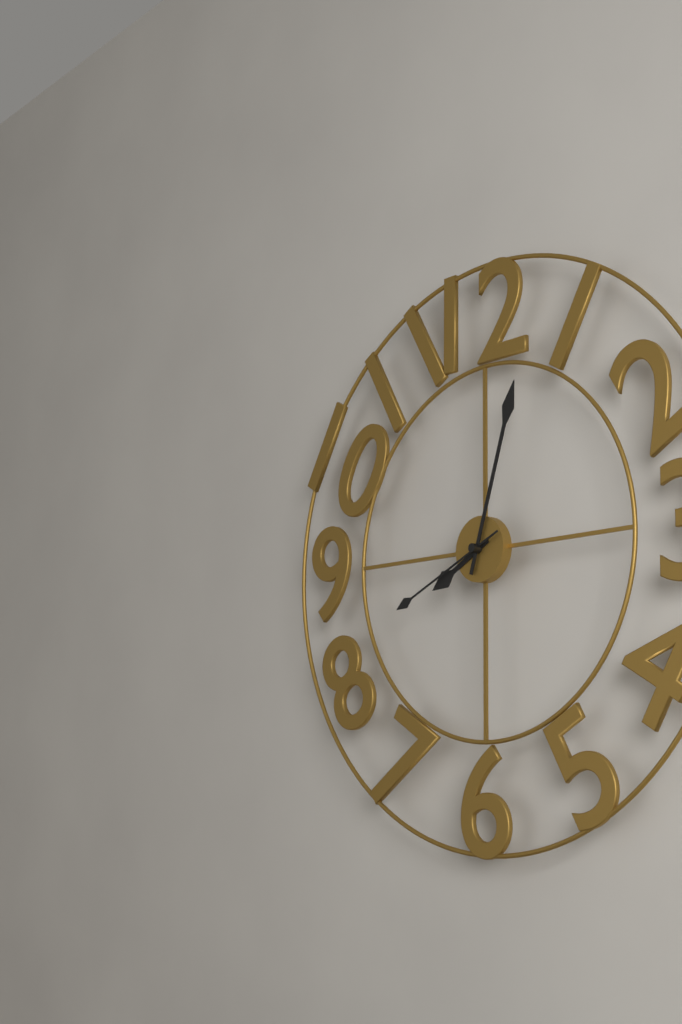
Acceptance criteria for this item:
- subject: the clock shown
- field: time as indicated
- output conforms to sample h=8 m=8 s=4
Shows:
h=8 m=3 s=41
